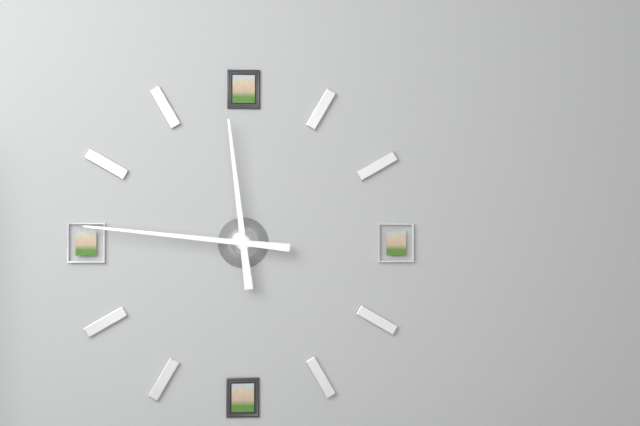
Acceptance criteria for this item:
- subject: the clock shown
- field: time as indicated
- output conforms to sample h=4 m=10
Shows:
h=11 m=46
